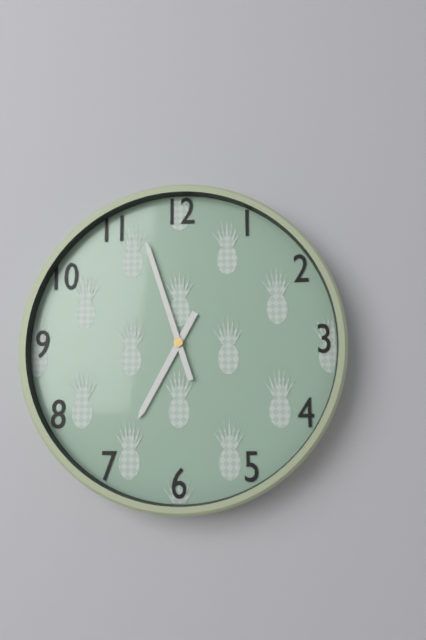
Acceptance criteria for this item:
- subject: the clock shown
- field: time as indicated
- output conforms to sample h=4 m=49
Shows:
h=6 m=57
